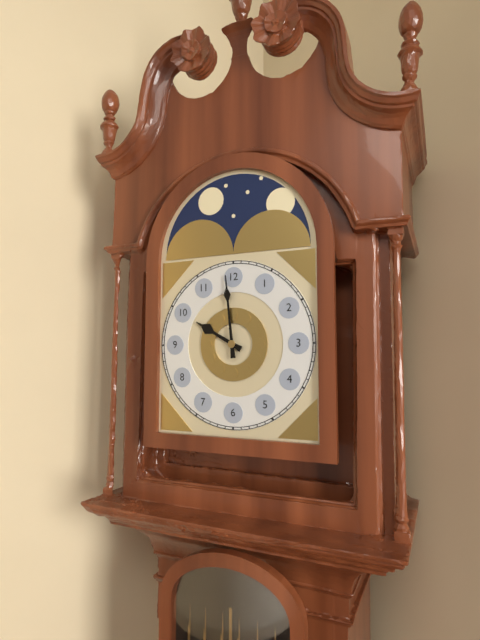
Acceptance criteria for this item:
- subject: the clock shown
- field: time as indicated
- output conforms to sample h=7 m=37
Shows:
h=9 m=59
